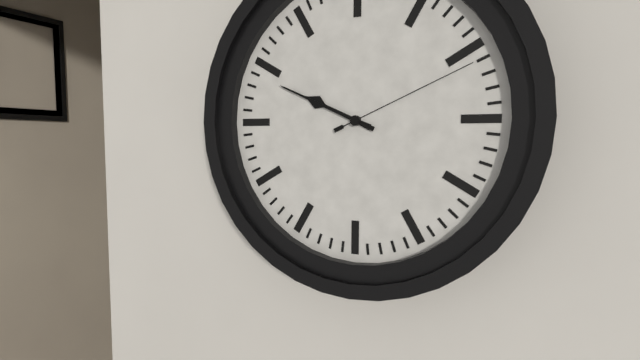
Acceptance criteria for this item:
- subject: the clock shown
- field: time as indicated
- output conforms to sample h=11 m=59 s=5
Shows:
h=9 m=49 s=11
